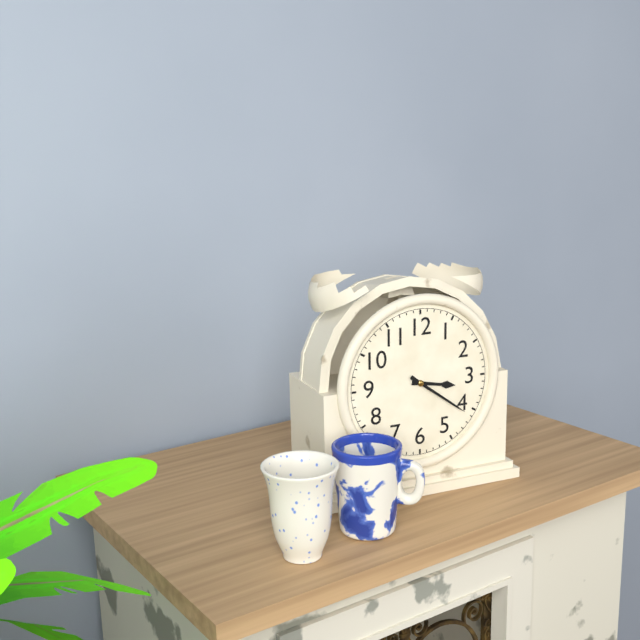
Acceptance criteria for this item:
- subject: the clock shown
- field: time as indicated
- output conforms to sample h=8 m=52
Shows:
h=3 m=21
